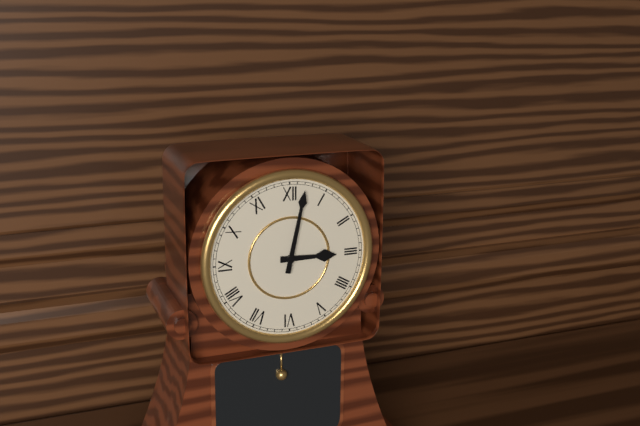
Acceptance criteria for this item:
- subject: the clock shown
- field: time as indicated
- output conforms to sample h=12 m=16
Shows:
h=3 m=2
